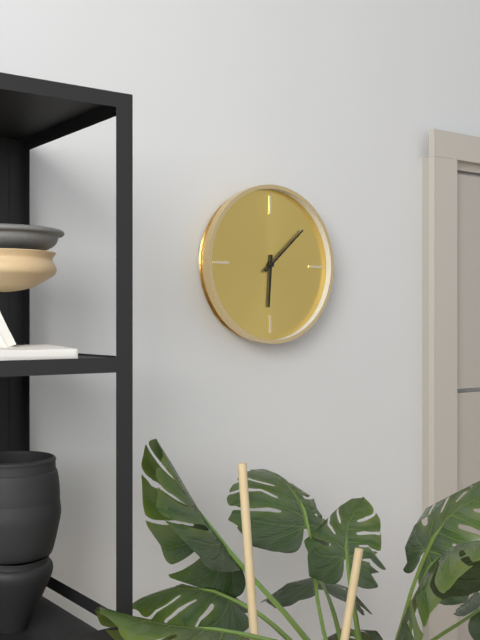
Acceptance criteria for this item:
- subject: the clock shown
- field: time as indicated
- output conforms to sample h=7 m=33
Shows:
h=6 m=8
